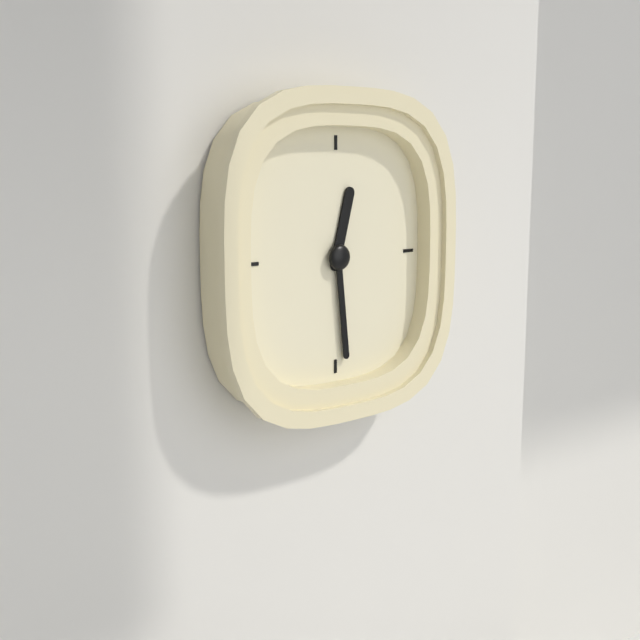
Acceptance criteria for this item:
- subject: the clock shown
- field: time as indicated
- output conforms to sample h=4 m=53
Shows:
h=12 m=29
